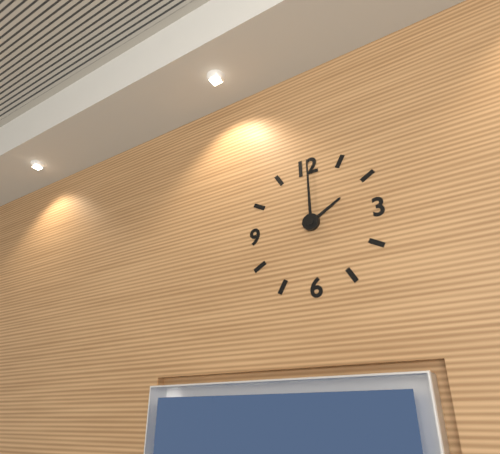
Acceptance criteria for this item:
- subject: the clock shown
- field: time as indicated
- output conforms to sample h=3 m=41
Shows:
h=2 m=0
